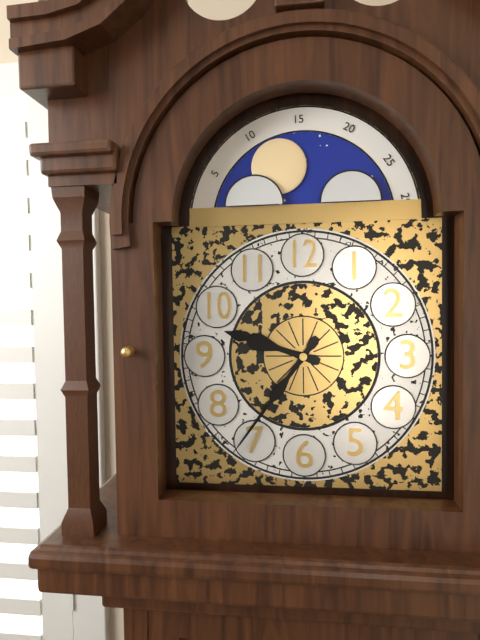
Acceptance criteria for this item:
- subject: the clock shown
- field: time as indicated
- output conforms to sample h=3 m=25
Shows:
h=9 m=36
